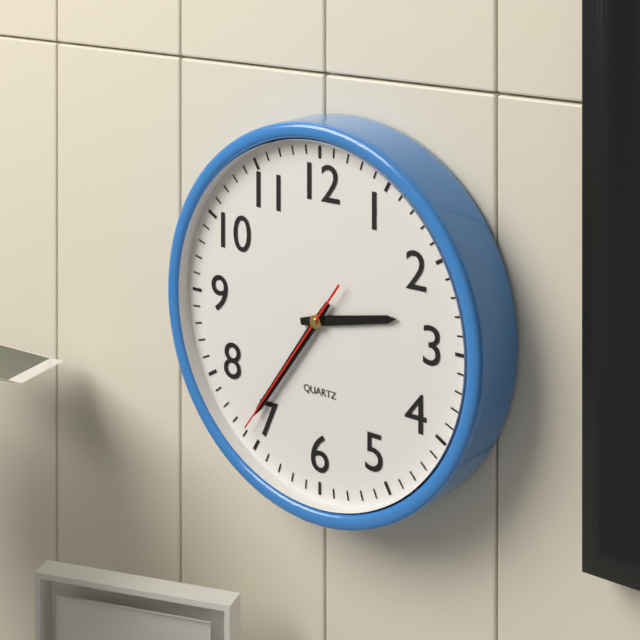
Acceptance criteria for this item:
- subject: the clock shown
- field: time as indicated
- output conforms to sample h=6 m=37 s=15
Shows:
h=2 m=36 s=36
